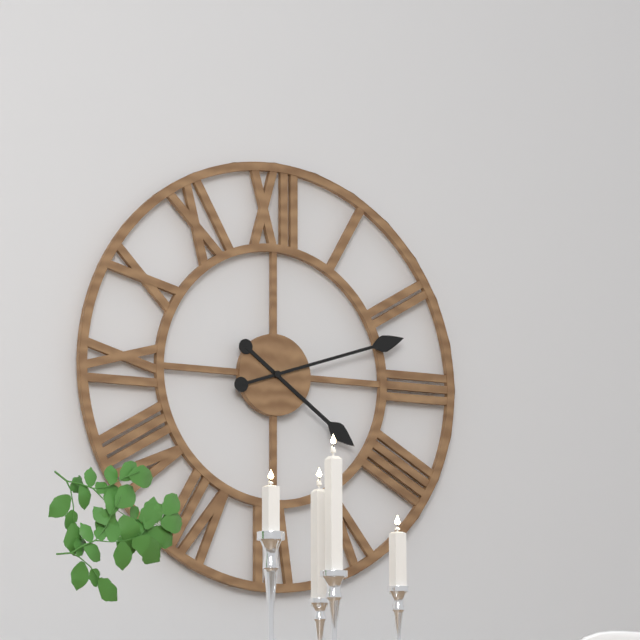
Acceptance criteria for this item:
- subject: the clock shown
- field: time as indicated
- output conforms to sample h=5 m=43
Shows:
h=4 m=12
